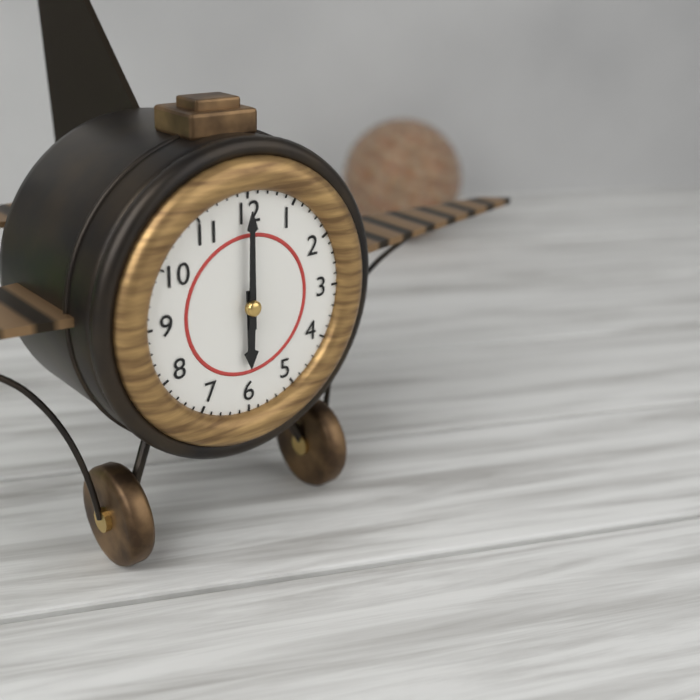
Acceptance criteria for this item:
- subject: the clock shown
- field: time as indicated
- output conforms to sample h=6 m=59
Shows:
h=6 m=0
